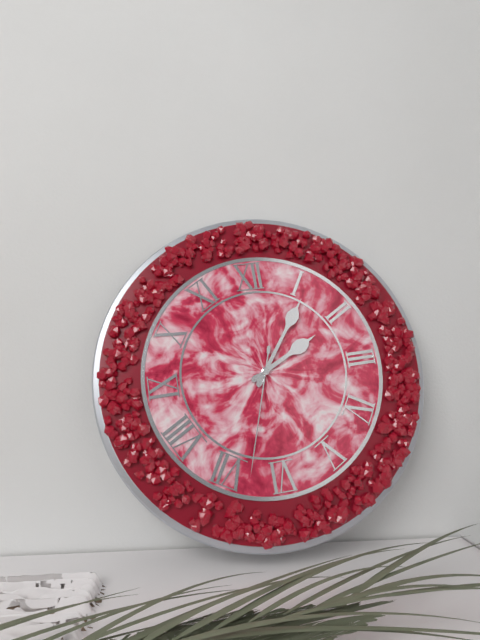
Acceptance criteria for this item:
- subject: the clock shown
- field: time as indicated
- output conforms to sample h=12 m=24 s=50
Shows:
h=2 m=6 s=33
